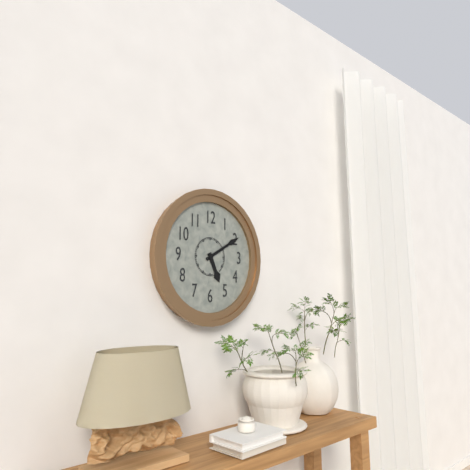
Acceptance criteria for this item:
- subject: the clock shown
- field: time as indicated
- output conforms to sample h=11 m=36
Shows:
h=5 m=10
